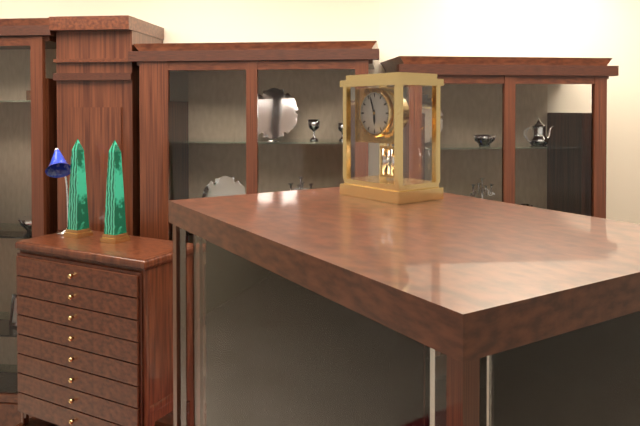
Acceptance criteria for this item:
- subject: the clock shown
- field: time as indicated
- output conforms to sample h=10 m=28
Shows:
h=5 m=57
